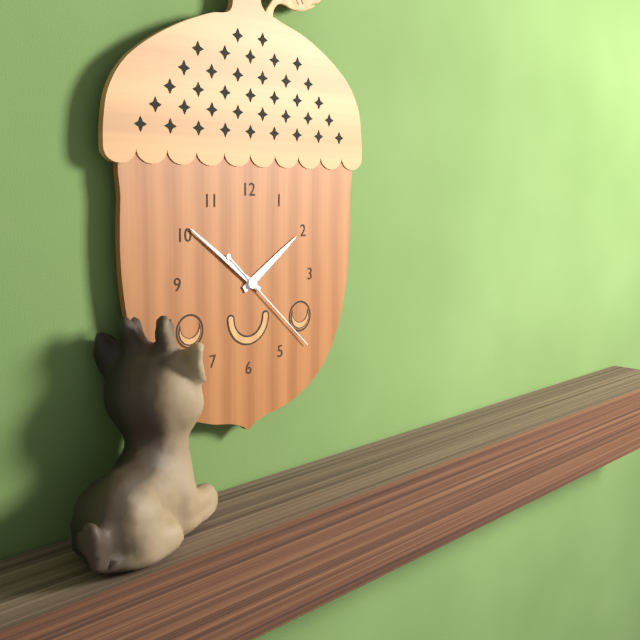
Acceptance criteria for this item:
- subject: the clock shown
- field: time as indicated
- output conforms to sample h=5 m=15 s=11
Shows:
h=1 m=51 s=22
